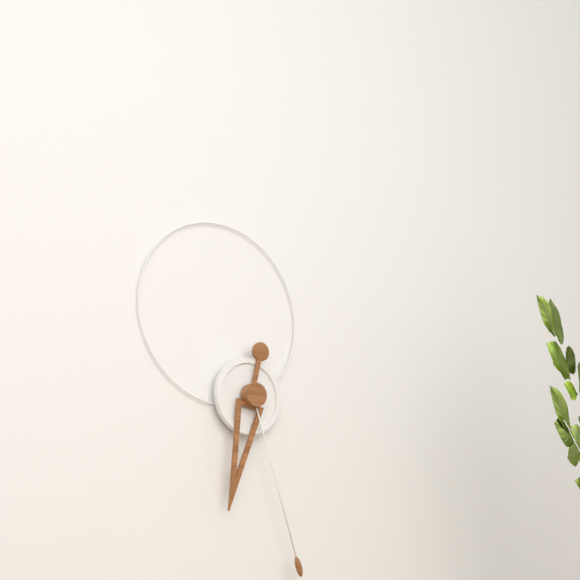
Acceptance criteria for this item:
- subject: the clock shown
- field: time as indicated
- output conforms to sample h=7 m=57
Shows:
h=6 m=27
